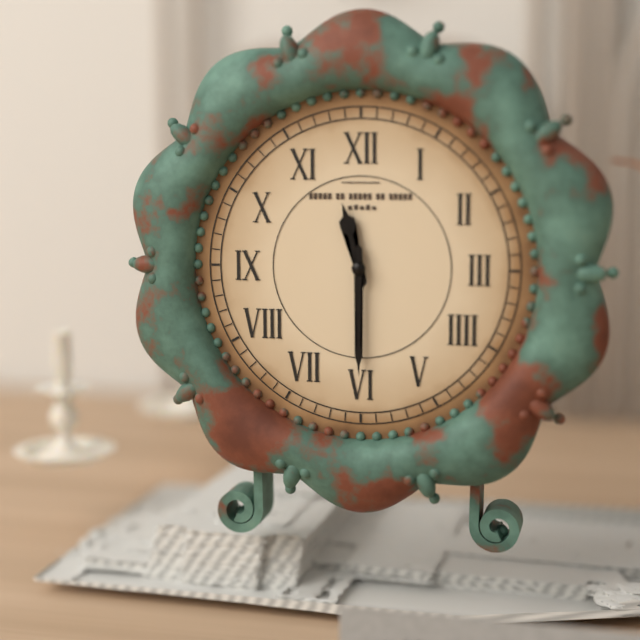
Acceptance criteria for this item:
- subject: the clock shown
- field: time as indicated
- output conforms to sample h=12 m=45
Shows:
h=11 m=30
